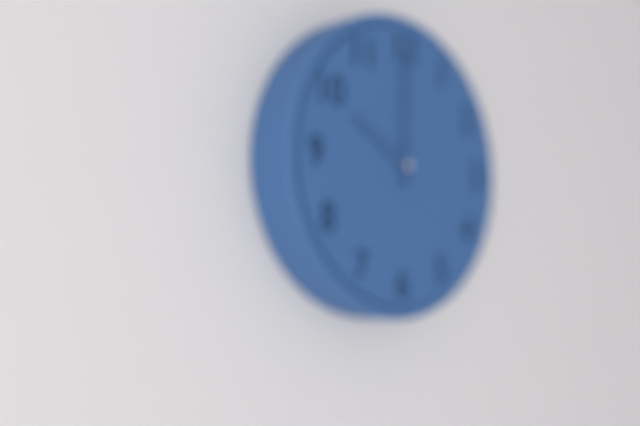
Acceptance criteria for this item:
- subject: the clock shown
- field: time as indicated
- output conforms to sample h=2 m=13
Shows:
h=10 m=0
